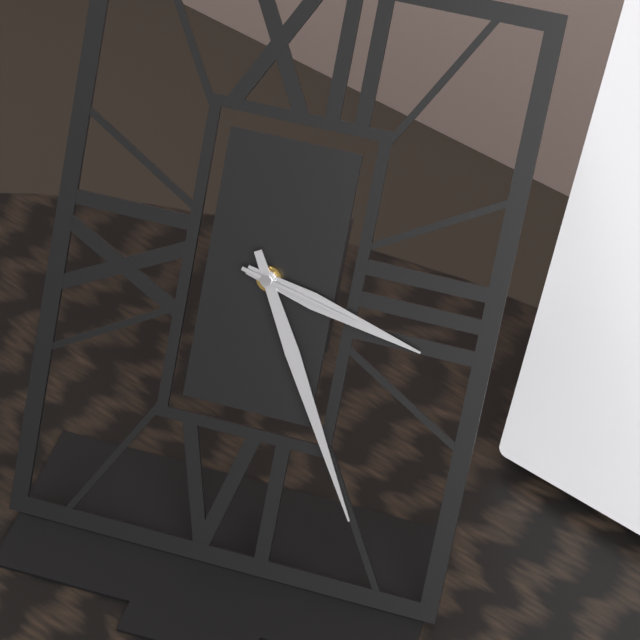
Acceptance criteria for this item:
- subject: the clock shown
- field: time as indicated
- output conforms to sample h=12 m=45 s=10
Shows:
h=3 m=25 s=17
